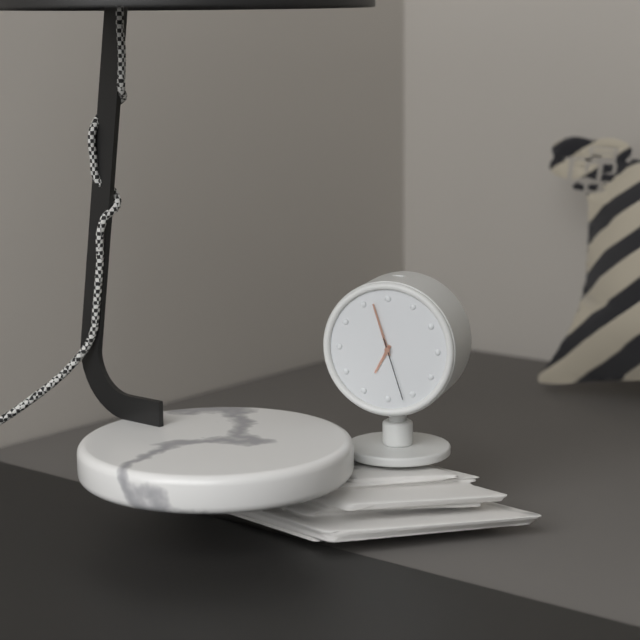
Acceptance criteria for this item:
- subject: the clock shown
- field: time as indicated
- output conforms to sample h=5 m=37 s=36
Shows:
h=6 m=57 s=27
